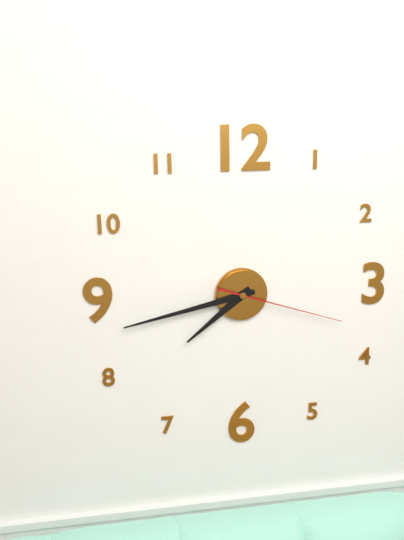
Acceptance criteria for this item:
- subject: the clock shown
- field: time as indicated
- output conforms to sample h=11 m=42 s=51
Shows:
h=7 m=43 s=18
